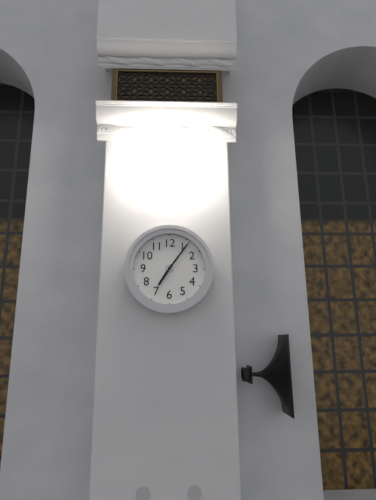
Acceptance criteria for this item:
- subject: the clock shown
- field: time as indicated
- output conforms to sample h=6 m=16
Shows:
h=7 m=6
